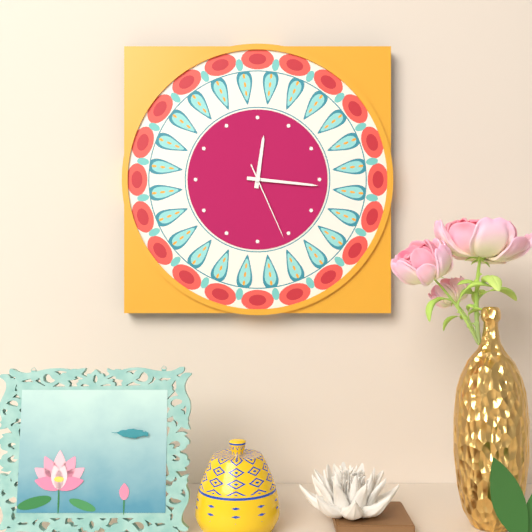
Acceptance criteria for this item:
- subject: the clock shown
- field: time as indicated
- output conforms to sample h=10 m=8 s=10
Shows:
h=12 m=16 s=26
